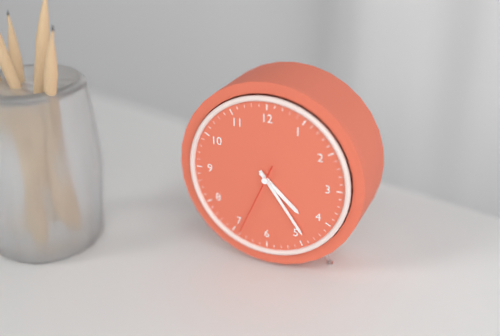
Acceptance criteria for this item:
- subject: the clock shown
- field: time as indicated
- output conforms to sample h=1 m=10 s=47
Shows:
h=4 m=24 s=34
